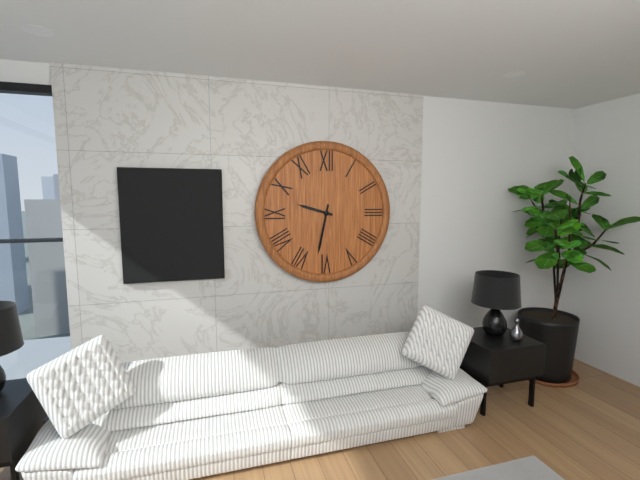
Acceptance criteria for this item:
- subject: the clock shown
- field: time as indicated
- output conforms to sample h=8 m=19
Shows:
h=9 m=32
